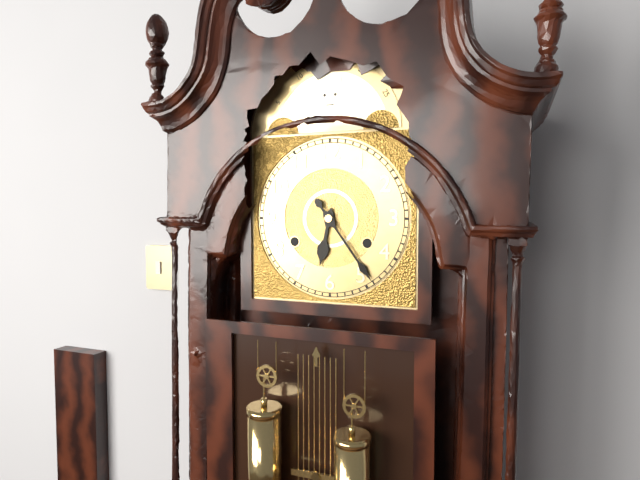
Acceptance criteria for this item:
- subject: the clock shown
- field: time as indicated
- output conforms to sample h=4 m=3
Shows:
h=6 m=24
